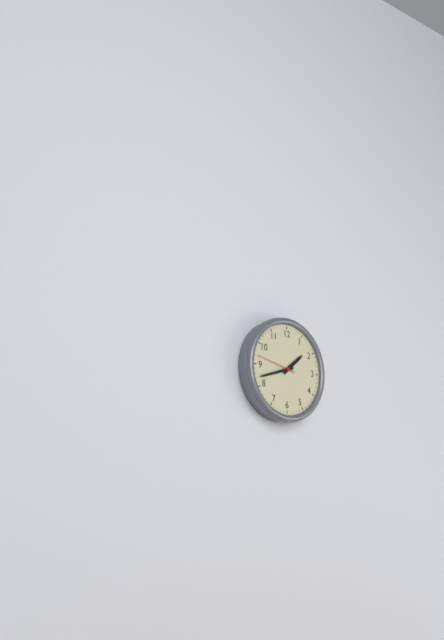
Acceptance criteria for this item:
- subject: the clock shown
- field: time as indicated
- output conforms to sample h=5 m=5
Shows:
h=1 m=42
